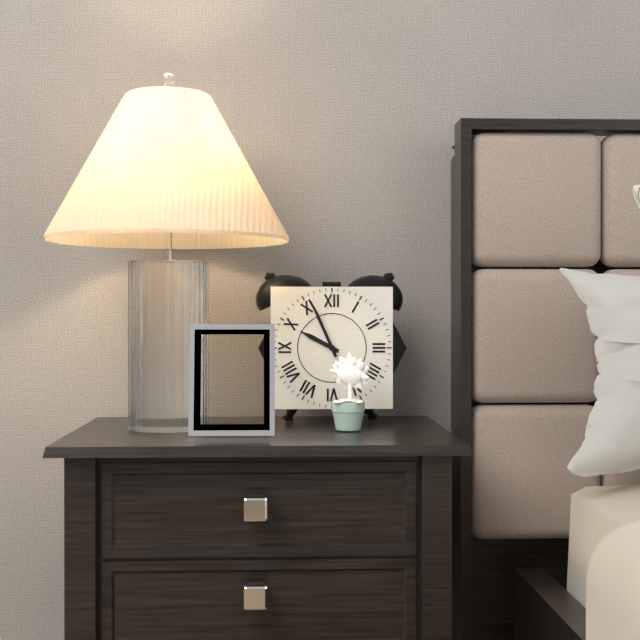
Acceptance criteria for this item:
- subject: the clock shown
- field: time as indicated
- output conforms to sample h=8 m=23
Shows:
h=9 m=56
